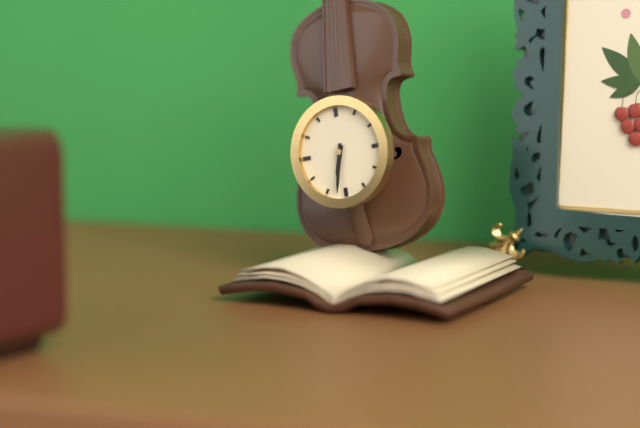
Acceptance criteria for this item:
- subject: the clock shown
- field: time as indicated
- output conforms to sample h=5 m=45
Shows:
h=6 m=32
